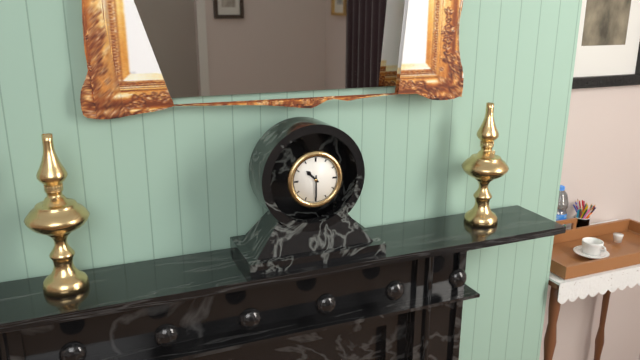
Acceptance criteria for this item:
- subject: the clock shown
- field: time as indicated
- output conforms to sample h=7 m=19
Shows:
h=10 m=30
